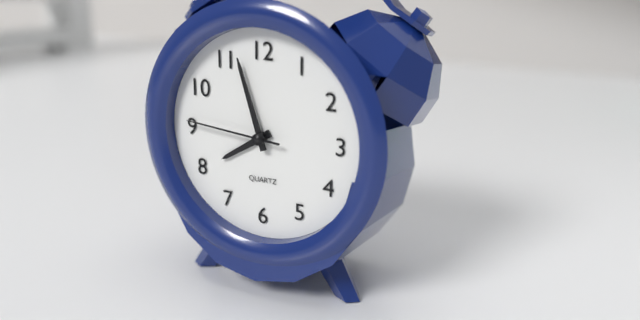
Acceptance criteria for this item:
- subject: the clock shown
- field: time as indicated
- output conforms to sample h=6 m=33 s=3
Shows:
h=7 m=57 s=46
